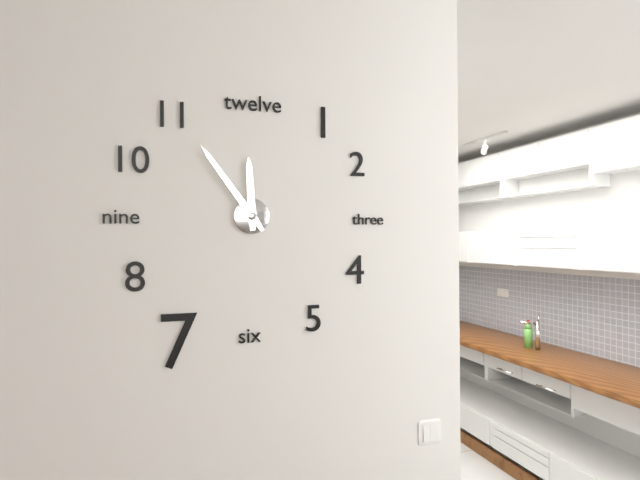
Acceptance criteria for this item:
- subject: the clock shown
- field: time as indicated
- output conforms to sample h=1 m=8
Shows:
h=11 m=54
